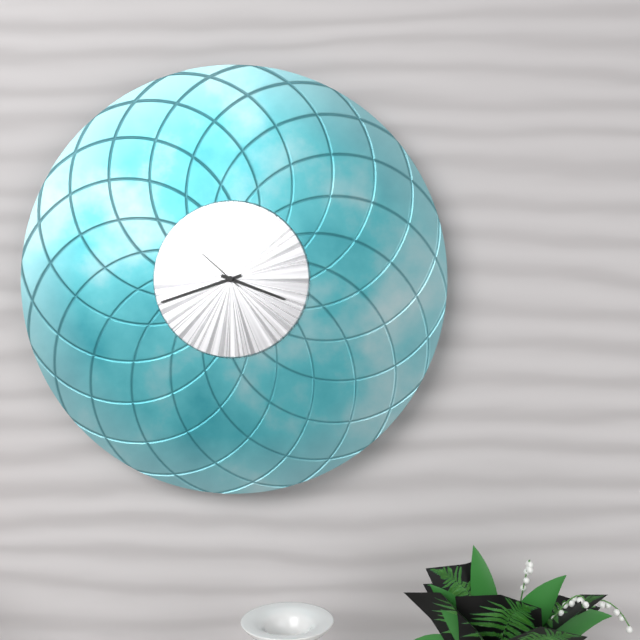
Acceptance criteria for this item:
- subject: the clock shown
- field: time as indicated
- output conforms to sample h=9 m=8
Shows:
h=3 m=42
